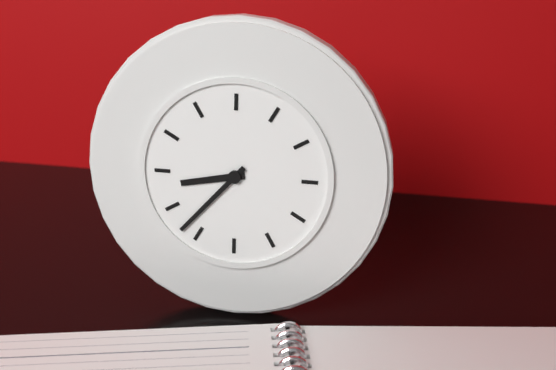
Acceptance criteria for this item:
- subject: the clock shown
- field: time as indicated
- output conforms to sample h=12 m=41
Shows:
h=8 m=37
